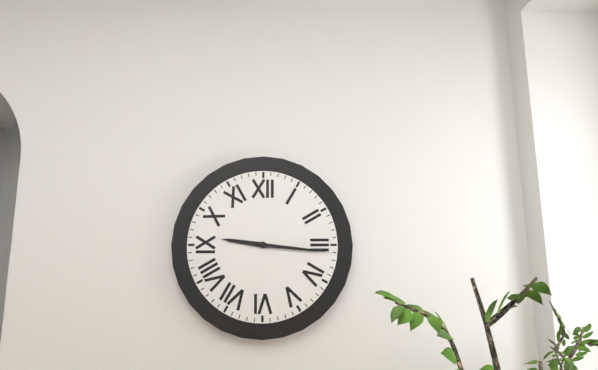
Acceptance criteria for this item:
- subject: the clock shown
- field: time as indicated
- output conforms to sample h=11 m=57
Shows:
h=9 m=16
